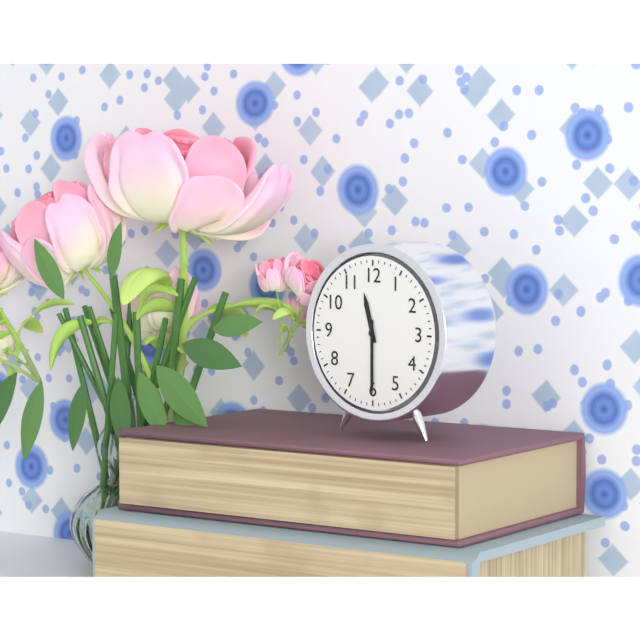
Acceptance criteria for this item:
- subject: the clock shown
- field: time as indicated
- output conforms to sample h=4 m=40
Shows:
h=11 m=30
